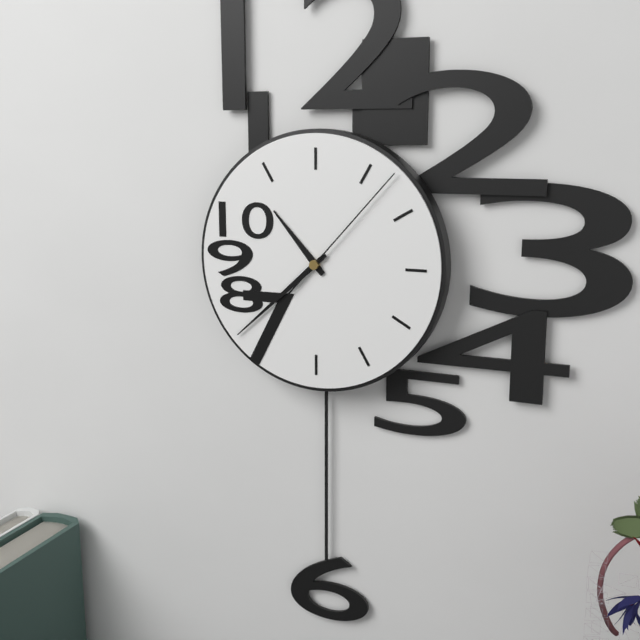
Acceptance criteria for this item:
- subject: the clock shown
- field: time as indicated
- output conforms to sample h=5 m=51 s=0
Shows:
h=10 m=38 s=7
